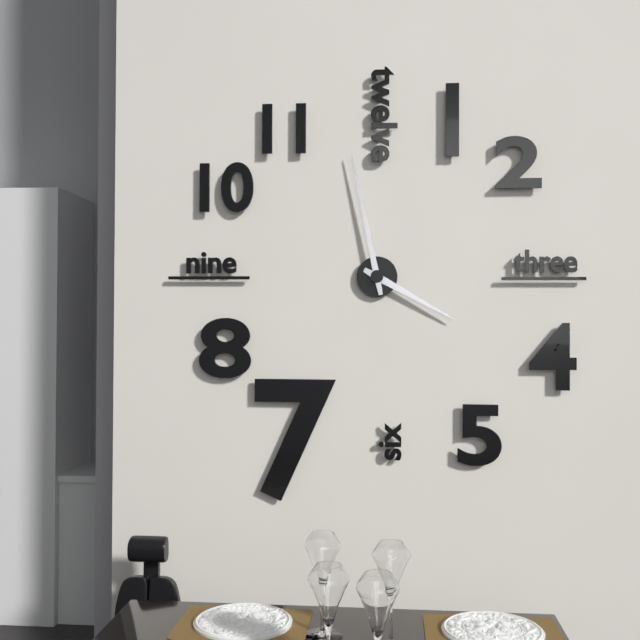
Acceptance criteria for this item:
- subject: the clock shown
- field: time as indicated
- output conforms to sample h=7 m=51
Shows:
h=3 m=58
